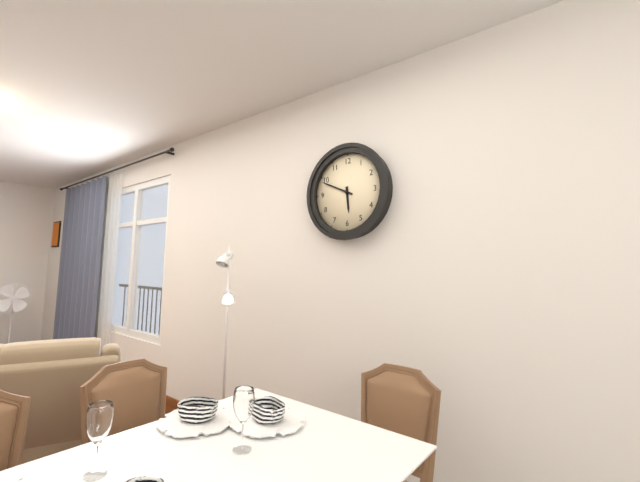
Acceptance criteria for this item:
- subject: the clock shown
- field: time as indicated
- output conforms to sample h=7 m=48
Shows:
h=5 m=49
